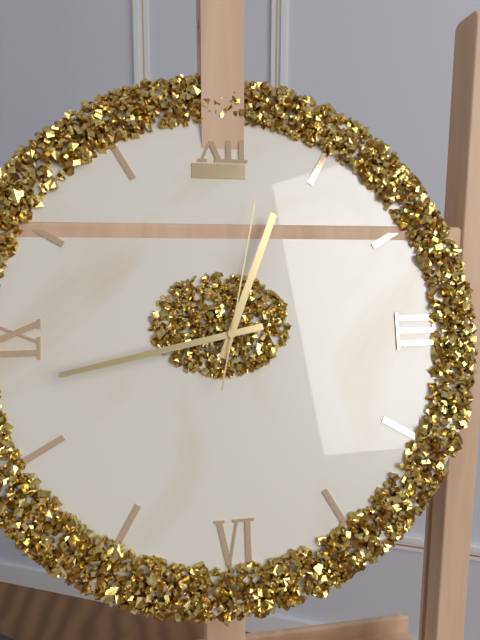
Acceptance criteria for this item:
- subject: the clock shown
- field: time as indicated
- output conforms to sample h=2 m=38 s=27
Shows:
h=12 m=43 s=2
